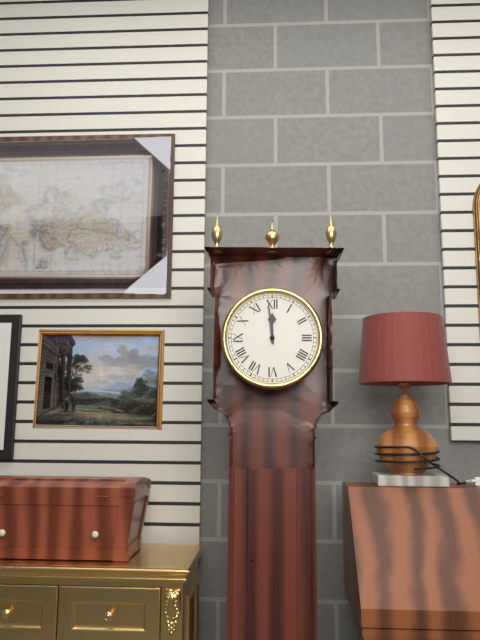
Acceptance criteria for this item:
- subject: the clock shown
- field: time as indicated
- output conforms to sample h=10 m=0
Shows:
h=11 m=59
